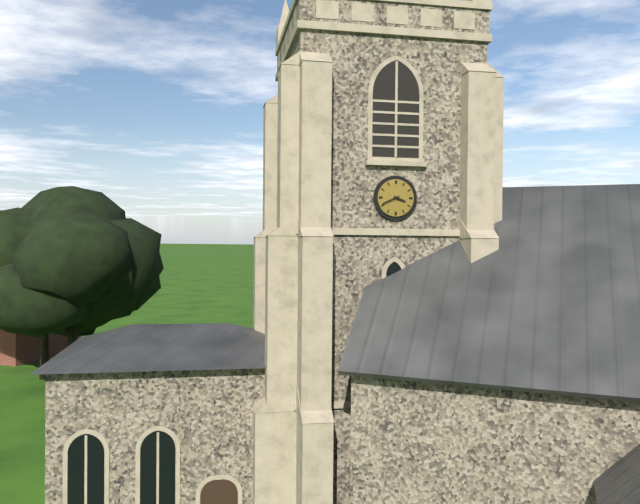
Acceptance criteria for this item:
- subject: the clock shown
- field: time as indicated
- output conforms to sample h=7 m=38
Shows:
h=3 m=41
